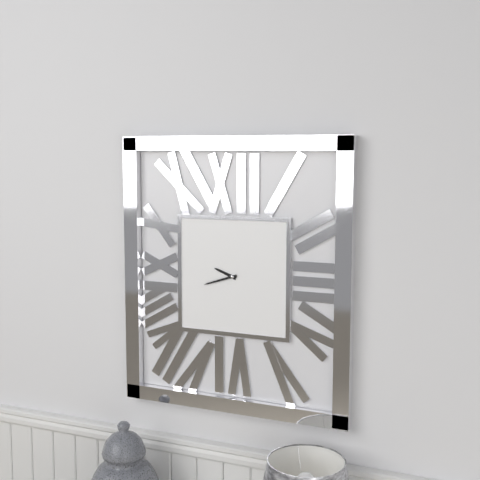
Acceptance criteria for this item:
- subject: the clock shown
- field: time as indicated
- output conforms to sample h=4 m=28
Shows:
h=9 m=42
